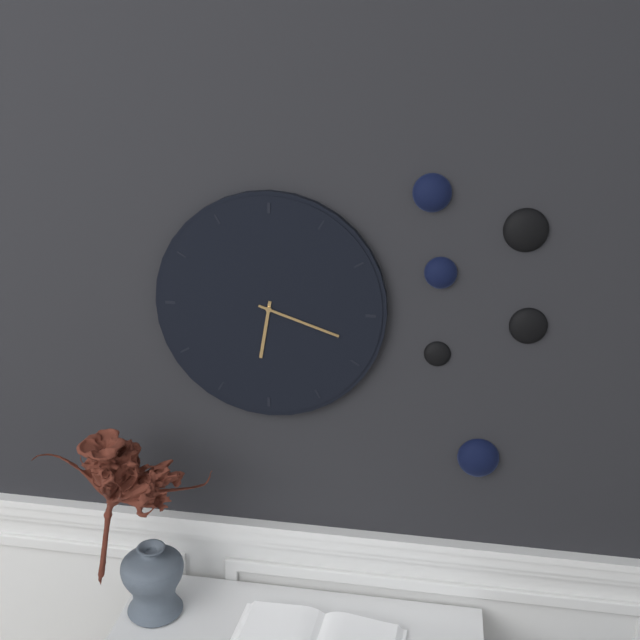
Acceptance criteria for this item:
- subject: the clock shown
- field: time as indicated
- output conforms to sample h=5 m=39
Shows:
h=6 m=18
